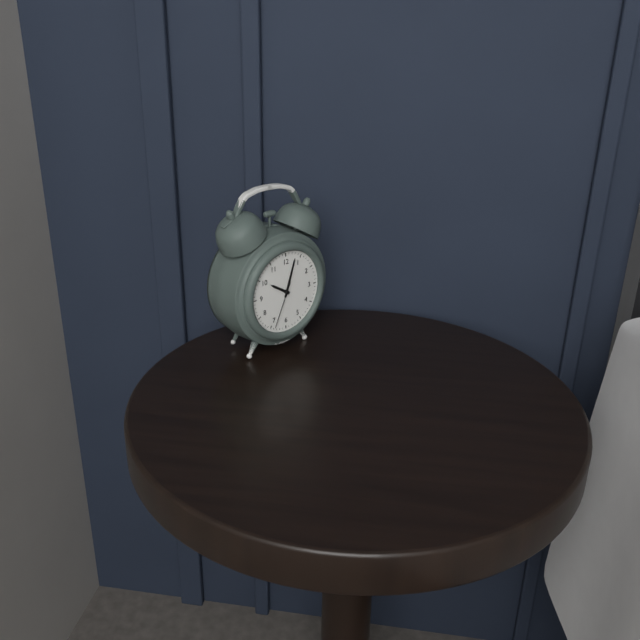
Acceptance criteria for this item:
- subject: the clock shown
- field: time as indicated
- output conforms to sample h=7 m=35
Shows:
h=10 m=3
